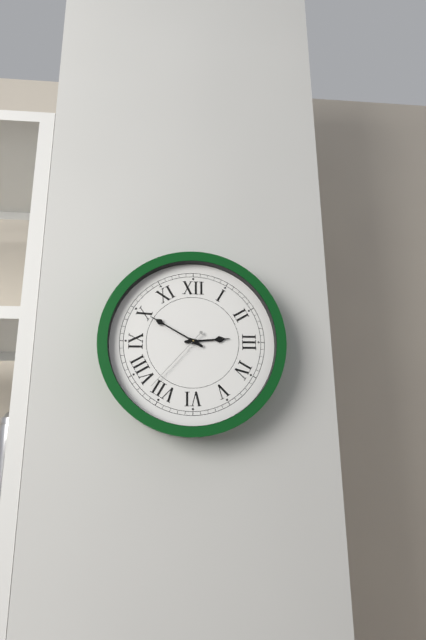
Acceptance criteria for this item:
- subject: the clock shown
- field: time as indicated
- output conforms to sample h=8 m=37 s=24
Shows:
h=2 m=50 s=37
